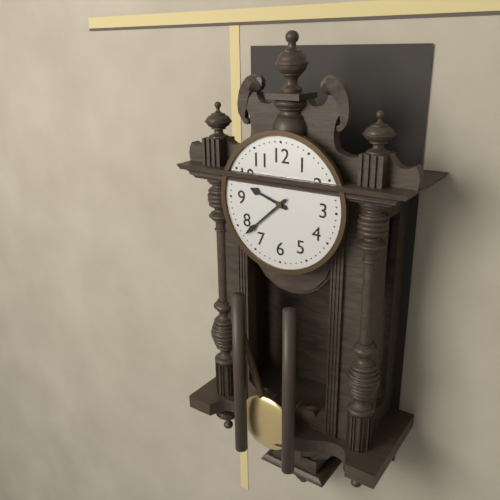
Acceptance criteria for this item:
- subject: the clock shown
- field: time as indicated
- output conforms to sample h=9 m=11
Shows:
h=9 m=38
